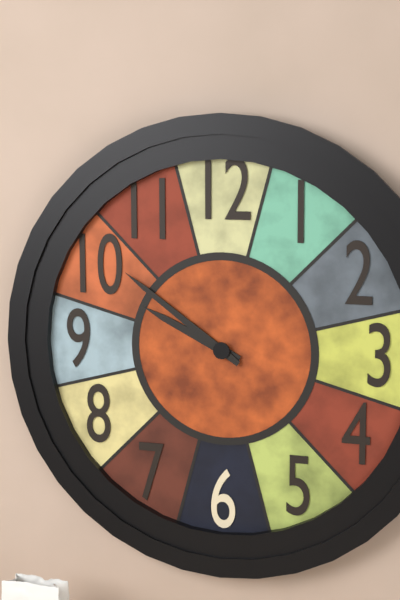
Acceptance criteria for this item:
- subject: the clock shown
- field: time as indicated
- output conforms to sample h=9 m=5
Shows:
h=9 m=51
